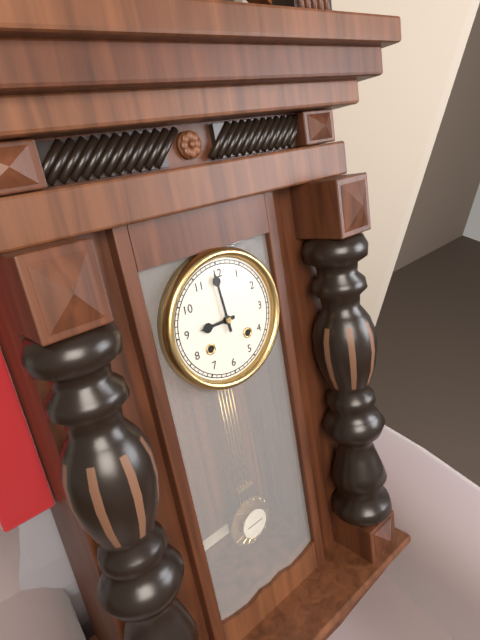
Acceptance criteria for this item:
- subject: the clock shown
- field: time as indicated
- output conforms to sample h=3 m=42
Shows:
h=8 m=59
